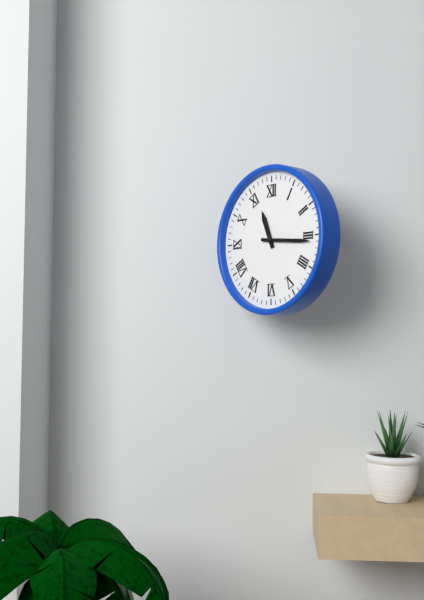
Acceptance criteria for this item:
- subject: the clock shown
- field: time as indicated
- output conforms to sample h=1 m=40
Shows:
h=11 m=16
